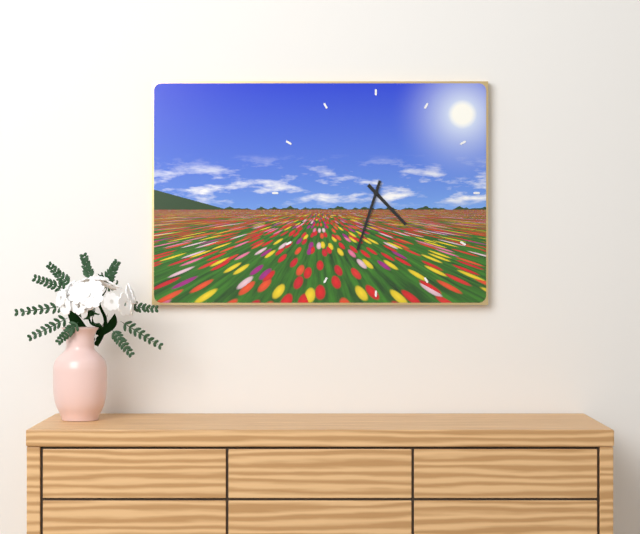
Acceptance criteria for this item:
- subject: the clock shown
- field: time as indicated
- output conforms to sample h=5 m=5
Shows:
h=4 m=33
